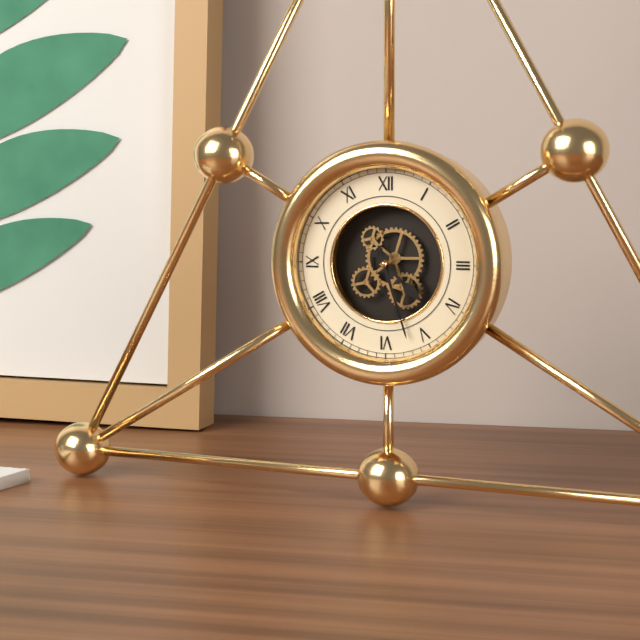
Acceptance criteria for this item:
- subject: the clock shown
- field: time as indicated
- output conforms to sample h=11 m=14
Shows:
h=4 m=27
